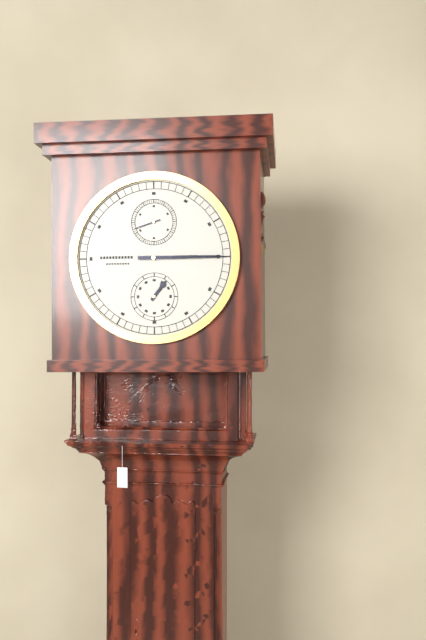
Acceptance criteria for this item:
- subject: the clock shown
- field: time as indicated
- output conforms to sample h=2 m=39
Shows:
h=1 m=15
